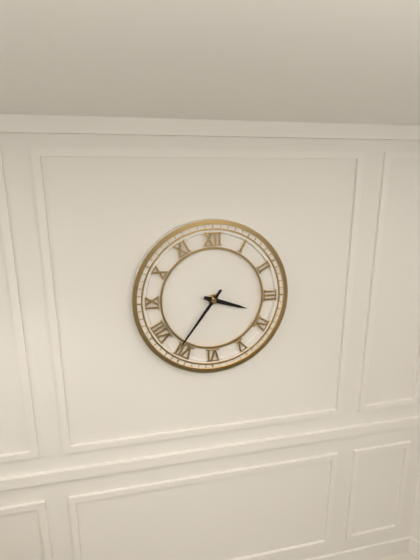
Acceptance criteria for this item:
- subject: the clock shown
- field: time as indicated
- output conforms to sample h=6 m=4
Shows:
h=3 m=36
